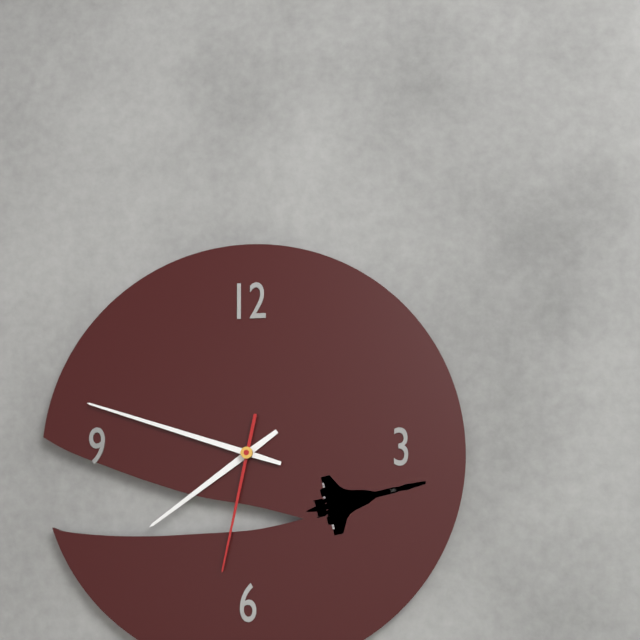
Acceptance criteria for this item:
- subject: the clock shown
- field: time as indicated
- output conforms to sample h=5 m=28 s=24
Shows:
h=7 m=48 s=32
